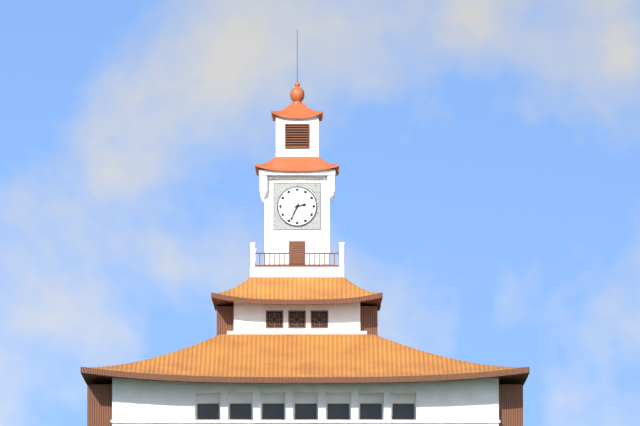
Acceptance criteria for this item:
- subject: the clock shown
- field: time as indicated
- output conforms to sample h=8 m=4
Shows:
h=2 m=34
